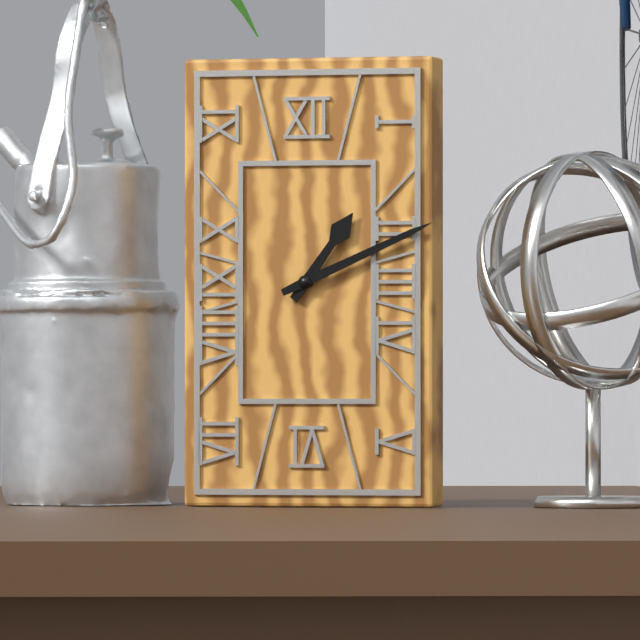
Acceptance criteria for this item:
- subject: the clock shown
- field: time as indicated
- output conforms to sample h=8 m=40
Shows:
h=1 m=11
